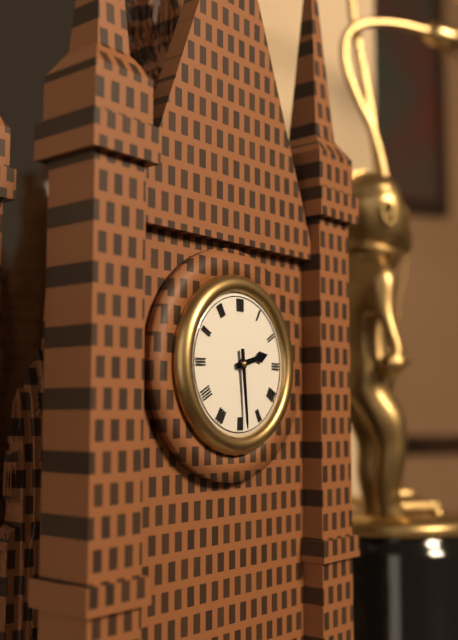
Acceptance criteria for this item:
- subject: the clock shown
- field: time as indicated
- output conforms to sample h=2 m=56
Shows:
h=2 m=29
